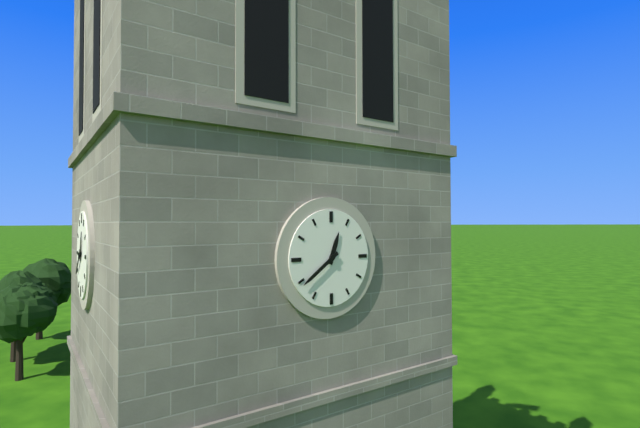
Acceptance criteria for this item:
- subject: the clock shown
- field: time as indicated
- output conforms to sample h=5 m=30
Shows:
h=12 m=39
